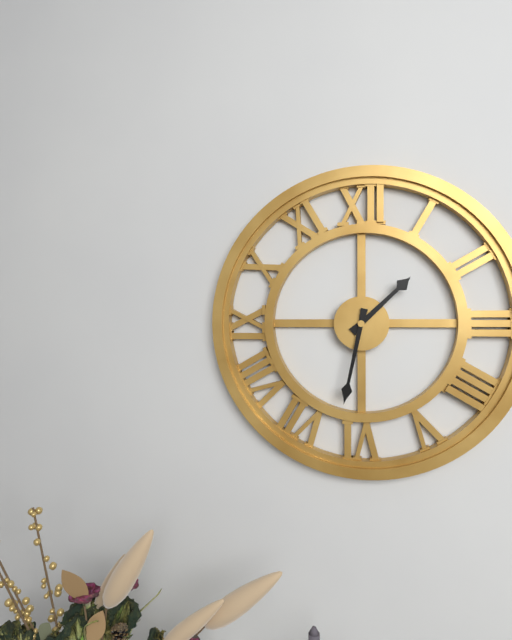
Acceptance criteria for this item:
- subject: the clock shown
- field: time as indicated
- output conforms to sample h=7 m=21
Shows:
h=1 m=32
